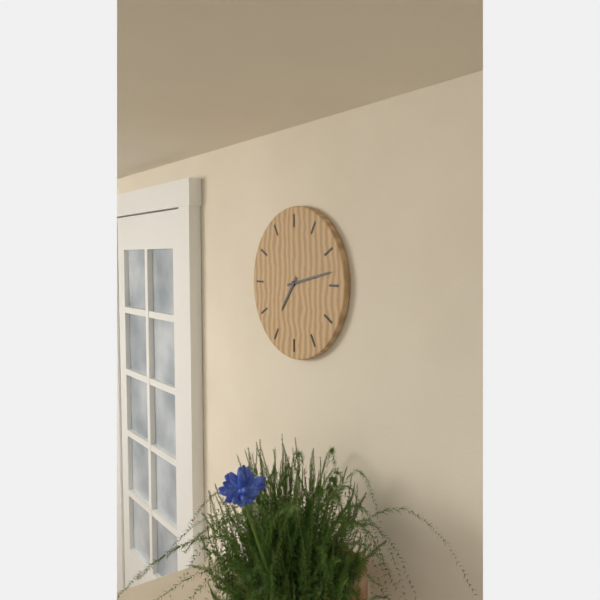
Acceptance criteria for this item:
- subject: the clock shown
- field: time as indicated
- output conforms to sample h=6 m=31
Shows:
h=7 m=13
